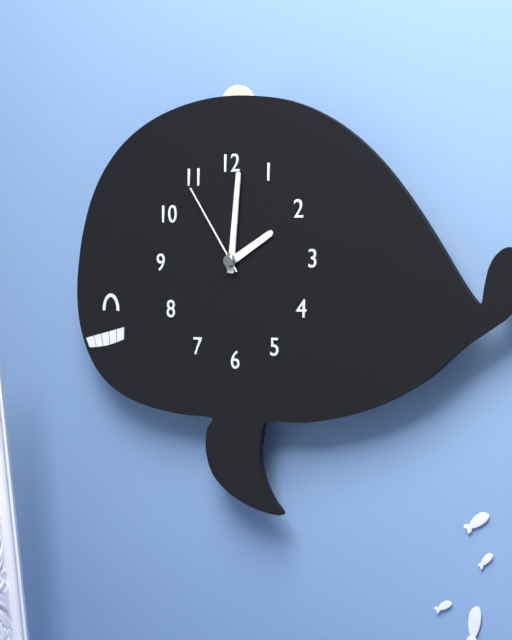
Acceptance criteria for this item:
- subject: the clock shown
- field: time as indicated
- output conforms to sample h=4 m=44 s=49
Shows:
h=2 m=1 s=54
